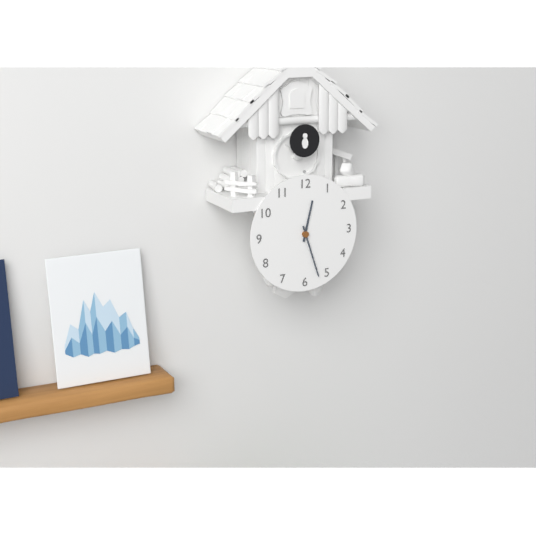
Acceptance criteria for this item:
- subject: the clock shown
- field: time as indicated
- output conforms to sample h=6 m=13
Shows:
h=12 m=27
